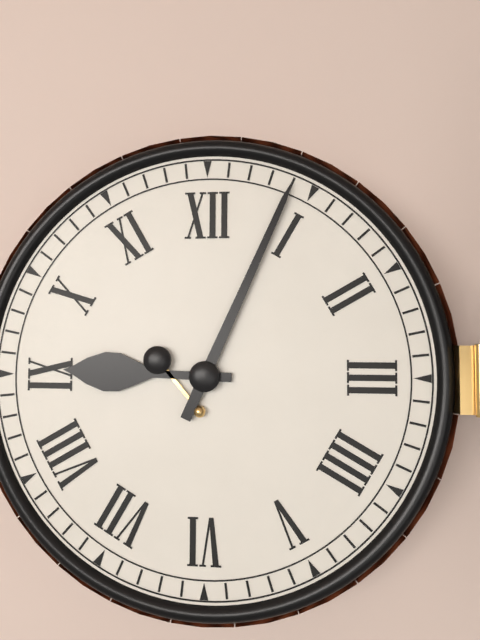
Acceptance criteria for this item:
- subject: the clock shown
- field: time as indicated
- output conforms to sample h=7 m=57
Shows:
h=9 m=4
